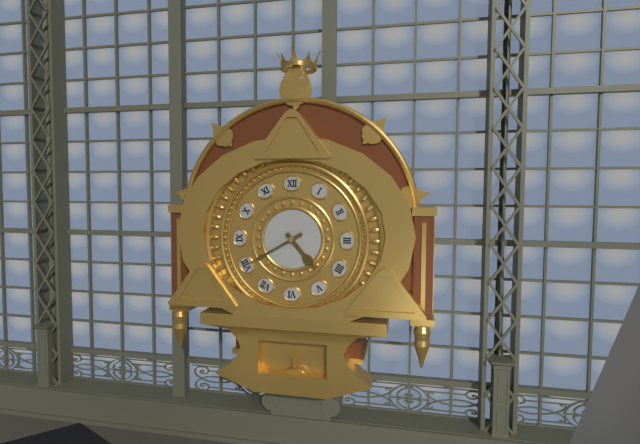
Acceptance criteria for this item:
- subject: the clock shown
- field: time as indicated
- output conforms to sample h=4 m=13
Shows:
h=4 m=40
